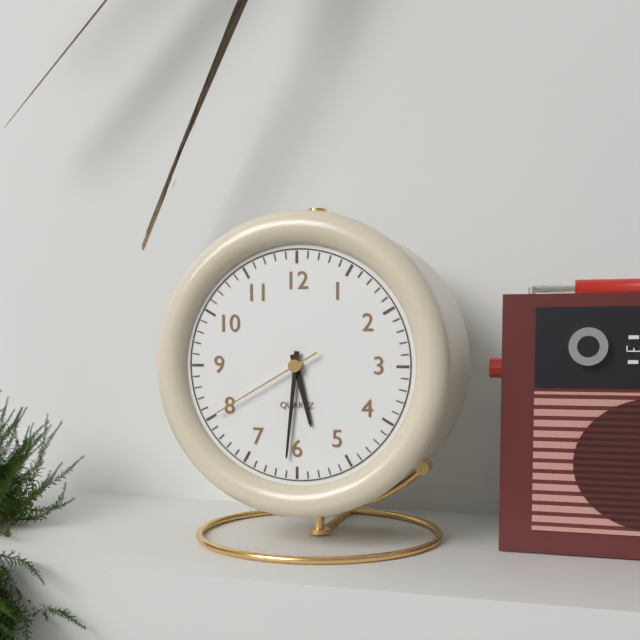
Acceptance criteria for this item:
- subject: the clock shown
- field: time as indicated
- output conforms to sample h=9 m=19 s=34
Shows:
h=5 m=31 s=40
